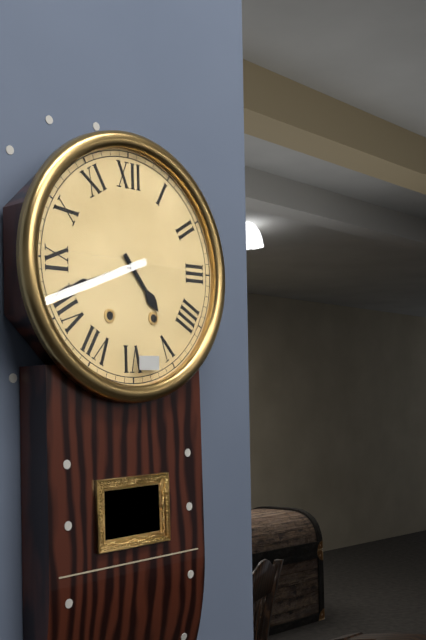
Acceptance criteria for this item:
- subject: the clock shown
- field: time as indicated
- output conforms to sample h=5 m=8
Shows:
h=4 m=42
